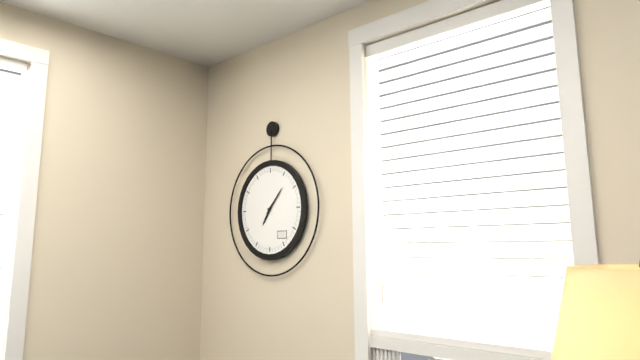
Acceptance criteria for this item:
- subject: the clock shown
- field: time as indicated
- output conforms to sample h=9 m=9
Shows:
h=7 m=7
